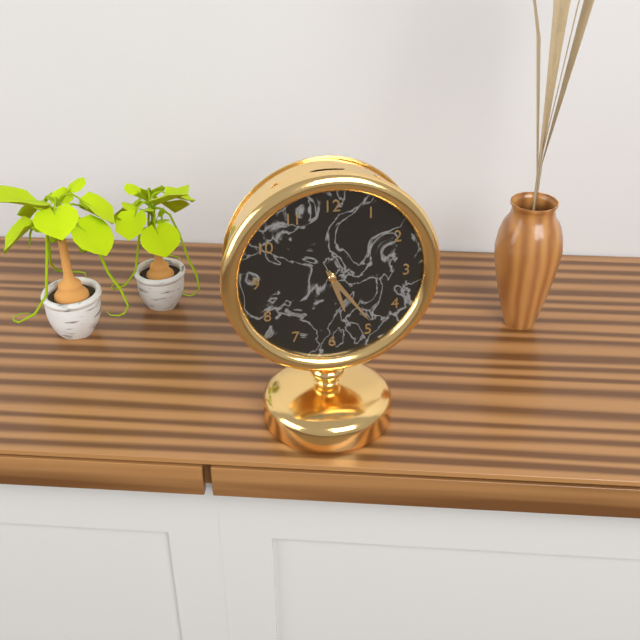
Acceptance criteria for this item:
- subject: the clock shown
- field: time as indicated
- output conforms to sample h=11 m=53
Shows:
h=5 m=24
